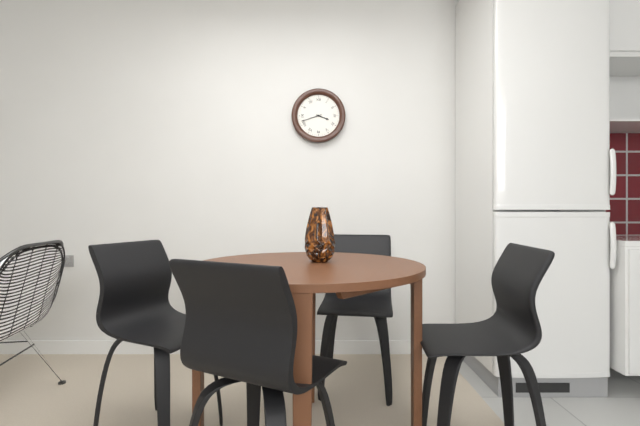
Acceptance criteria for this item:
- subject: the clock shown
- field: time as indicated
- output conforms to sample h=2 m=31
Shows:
h=3 m=42
